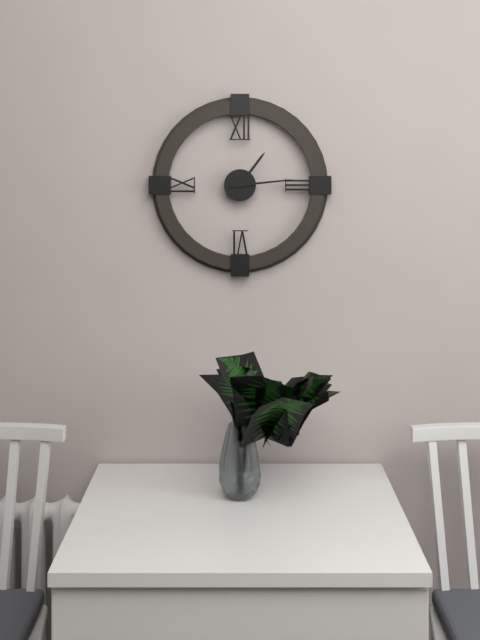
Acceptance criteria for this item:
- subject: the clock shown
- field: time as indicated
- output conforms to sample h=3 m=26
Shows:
h=1 m=14
